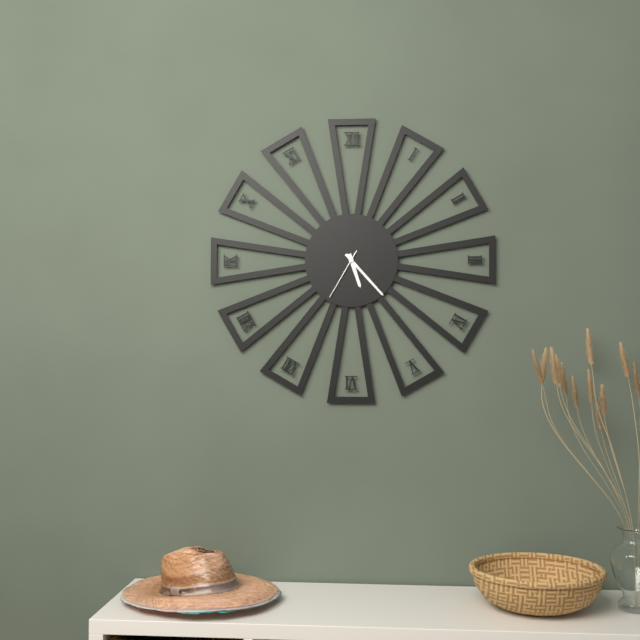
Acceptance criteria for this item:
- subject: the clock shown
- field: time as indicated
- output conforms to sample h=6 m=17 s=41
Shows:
h=5 m=23 s=35
